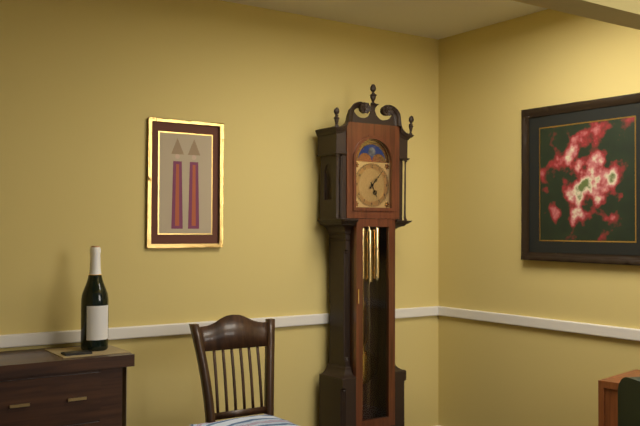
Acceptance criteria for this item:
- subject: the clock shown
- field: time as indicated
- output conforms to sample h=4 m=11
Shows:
h=5 m=7
